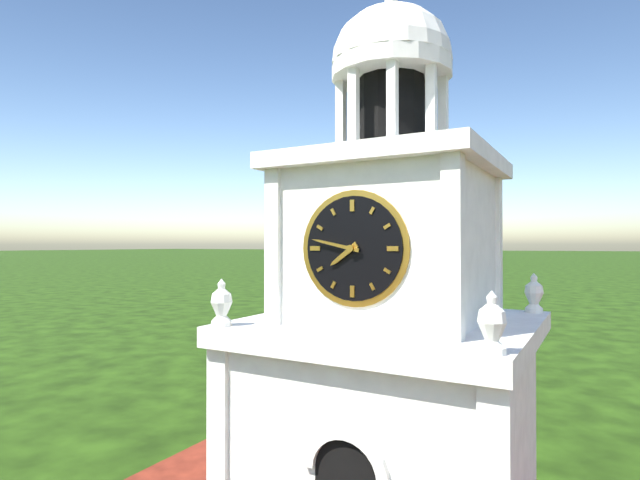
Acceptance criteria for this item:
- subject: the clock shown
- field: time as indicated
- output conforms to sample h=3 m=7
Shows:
h=7 m=47
